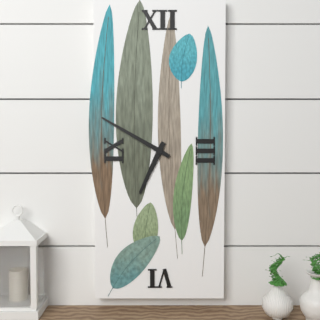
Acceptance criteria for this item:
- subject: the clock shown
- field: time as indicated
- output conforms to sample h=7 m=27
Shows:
h=6 m=50
